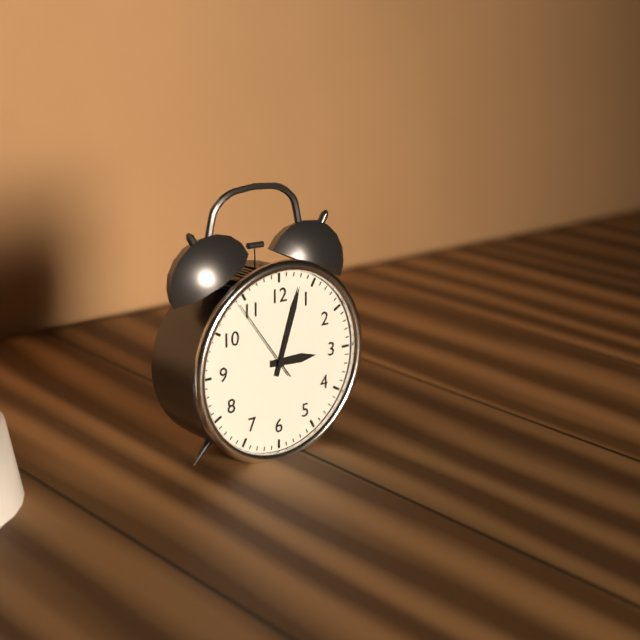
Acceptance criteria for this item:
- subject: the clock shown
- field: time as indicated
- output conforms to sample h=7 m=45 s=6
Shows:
h=3 m=3 s=54
